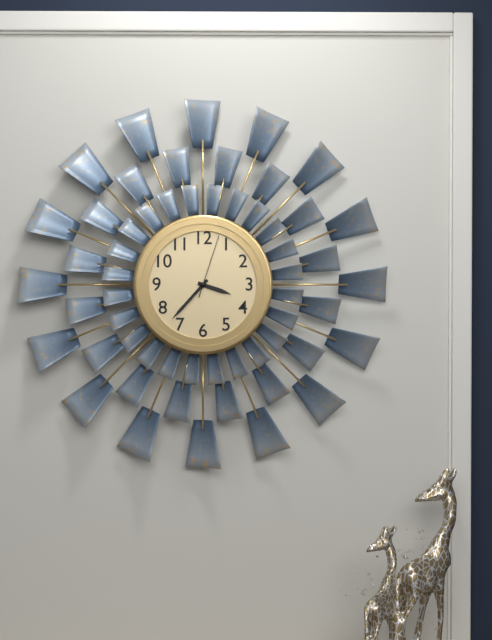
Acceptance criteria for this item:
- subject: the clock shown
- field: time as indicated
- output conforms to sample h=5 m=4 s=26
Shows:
h=3 m=37 s=3
